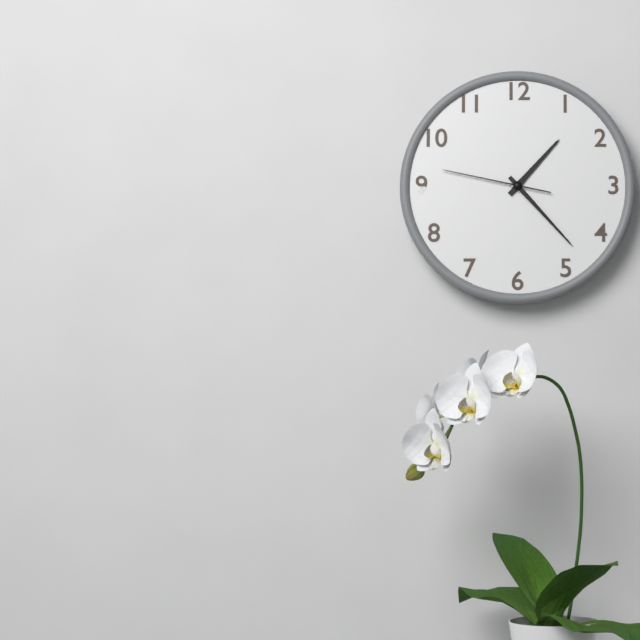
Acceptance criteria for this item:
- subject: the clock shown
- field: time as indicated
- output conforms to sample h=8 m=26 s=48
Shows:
h=1 m=23 s=47
